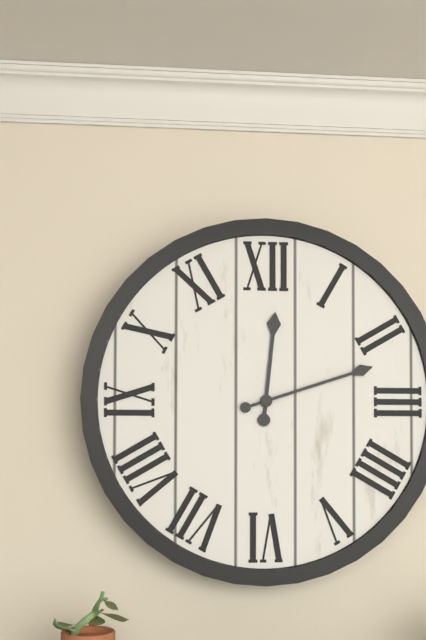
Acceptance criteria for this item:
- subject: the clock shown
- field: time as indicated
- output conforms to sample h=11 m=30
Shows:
h=12 m=12
